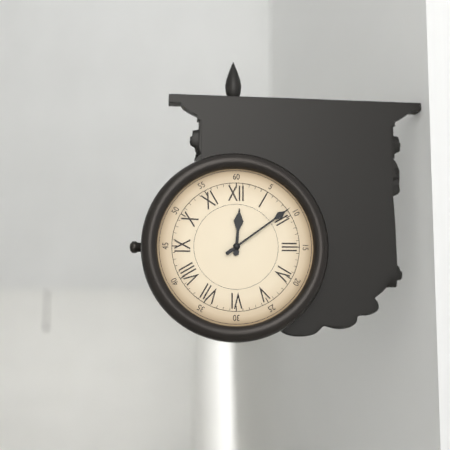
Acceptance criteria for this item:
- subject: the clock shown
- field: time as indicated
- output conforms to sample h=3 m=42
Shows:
h=12 m=9
